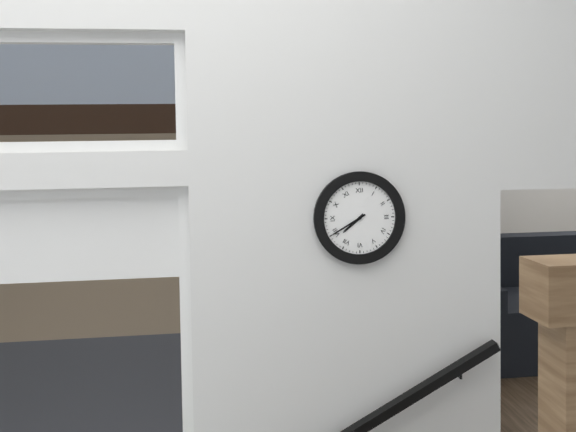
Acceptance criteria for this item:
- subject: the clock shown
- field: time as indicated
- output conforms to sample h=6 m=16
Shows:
h=7 m=40
